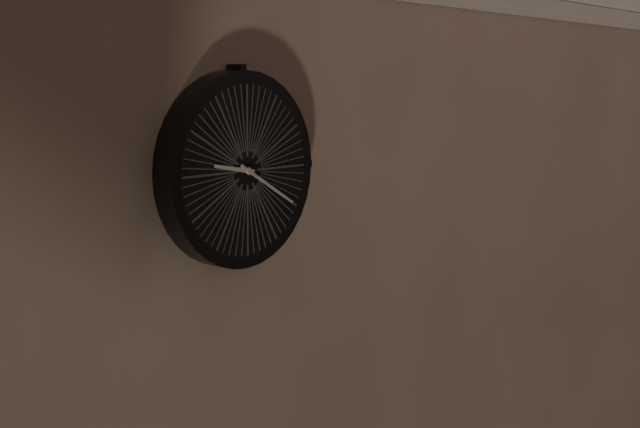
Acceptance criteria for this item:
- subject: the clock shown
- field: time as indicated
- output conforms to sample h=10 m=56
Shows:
h=9 m=20
